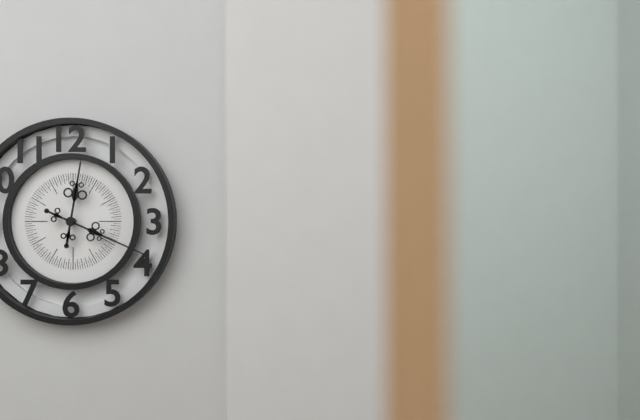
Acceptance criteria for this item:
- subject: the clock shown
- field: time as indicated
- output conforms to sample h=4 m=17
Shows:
h=12 m=19
